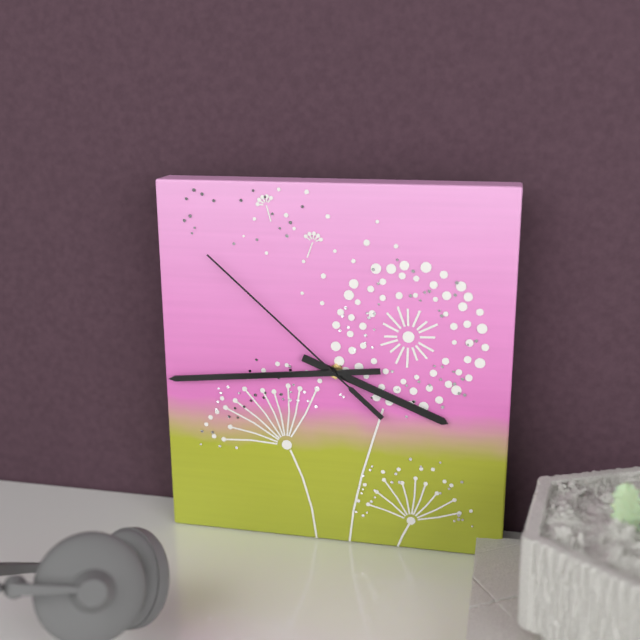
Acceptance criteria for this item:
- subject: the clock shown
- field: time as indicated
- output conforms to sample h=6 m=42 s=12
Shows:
h=3 m=44 s=52
